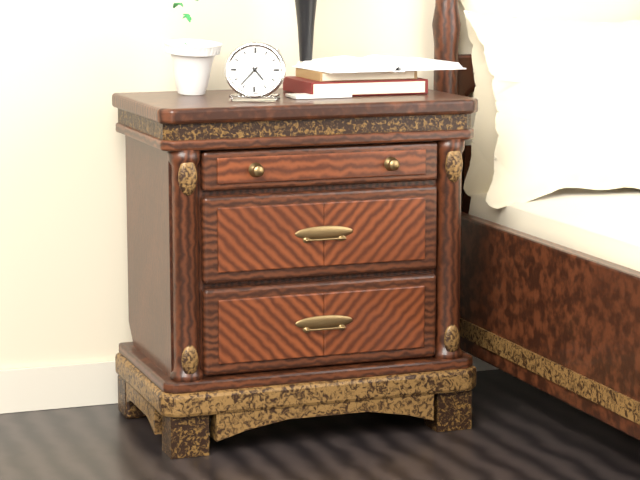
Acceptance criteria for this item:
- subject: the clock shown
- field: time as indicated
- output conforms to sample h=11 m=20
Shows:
h=4 m=37
